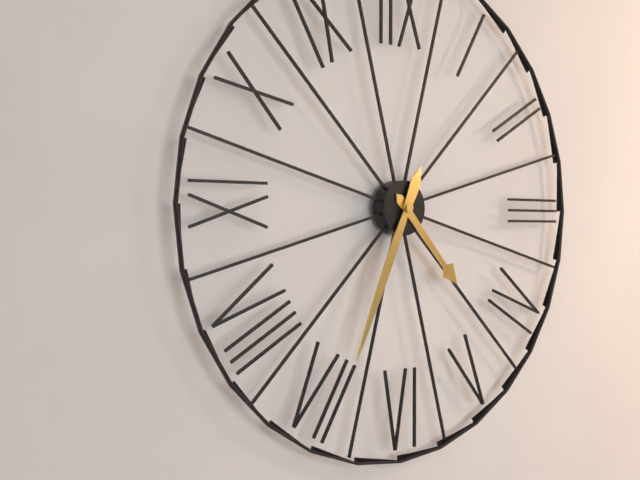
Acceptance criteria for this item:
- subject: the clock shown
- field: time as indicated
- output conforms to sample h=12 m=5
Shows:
h=4 m=34
